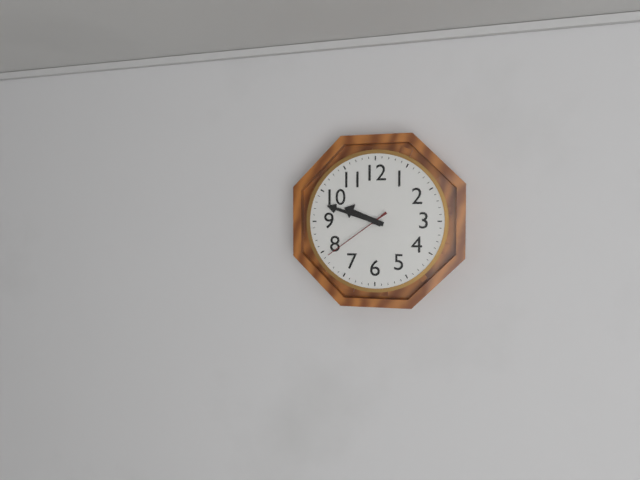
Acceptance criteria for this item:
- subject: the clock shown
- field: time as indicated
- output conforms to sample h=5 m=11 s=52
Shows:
h=9 m=48 s=39
